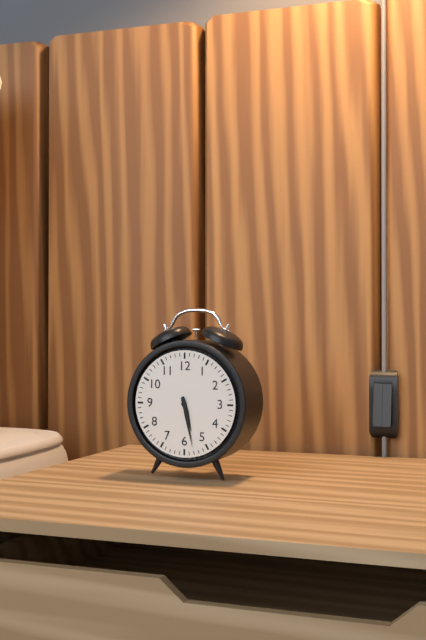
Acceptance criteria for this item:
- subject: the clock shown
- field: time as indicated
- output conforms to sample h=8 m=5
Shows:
h=5 m=28
